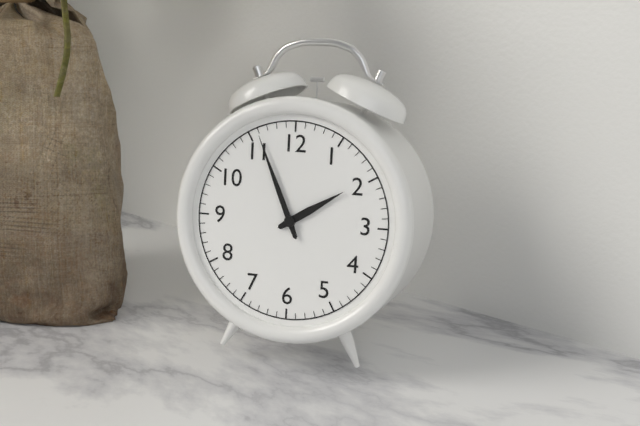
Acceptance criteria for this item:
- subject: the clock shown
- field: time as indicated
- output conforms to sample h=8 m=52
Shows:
h=1 m=56
